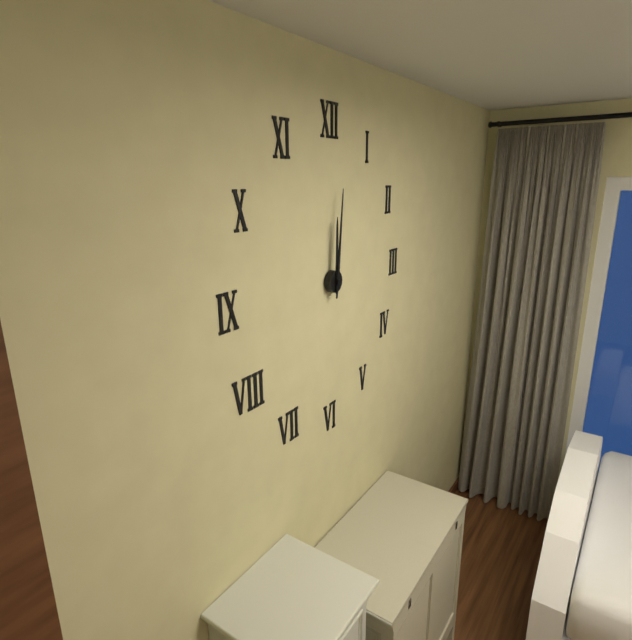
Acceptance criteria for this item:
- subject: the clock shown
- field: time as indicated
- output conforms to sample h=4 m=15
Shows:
h=12 m=1
